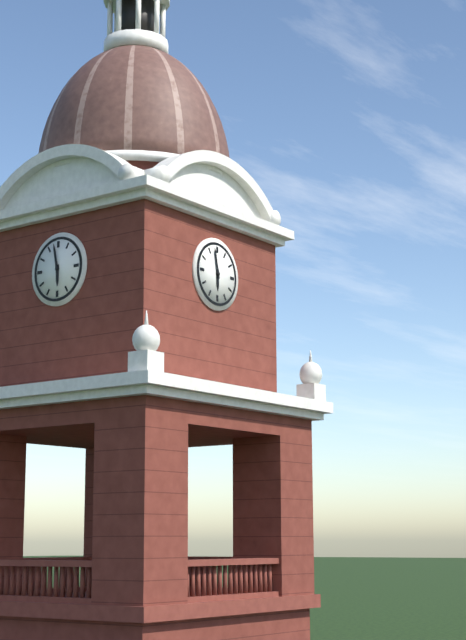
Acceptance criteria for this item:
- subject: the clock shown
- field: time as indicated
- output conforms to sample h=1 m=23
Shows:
h=5 m=58
